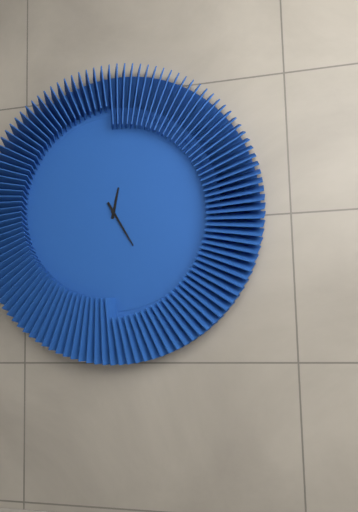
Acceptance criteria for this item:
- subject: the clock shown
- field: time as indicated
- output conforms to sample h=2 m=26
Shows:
h=12 m=25
